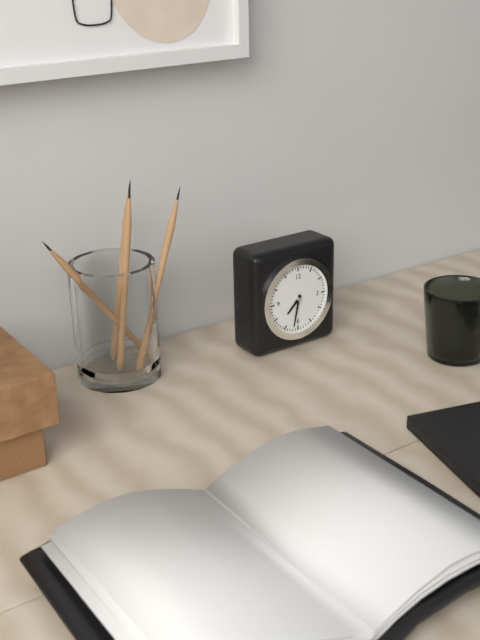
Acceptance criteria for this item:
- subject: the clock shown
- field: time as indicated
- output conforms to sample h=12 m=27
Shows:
h=7 m=32
